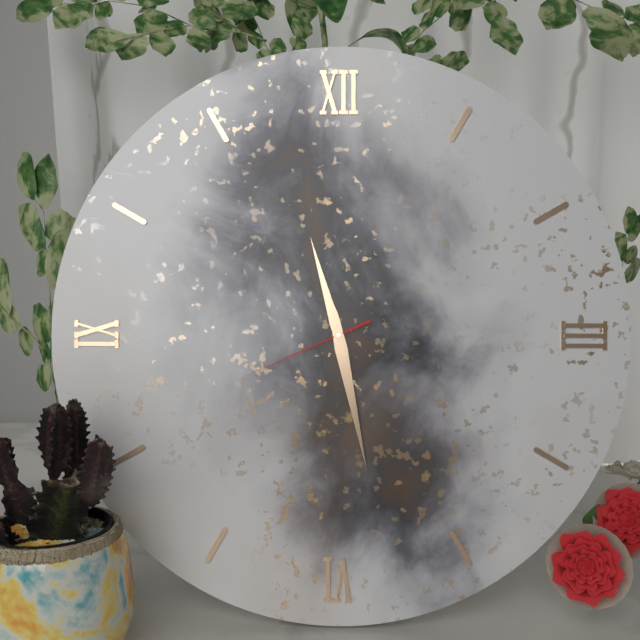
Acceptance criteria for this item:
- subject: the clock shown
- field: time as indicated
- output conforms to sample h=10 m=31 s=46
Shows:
h=11 m=28 s=41
